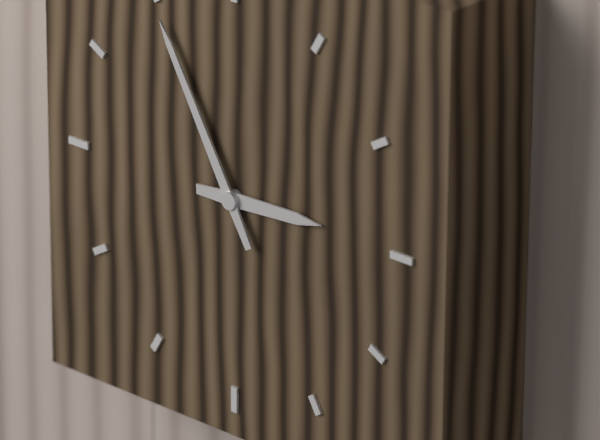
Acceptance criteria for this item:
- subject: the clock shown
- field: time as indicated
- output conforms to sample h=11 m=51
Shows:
h=2 m=55
